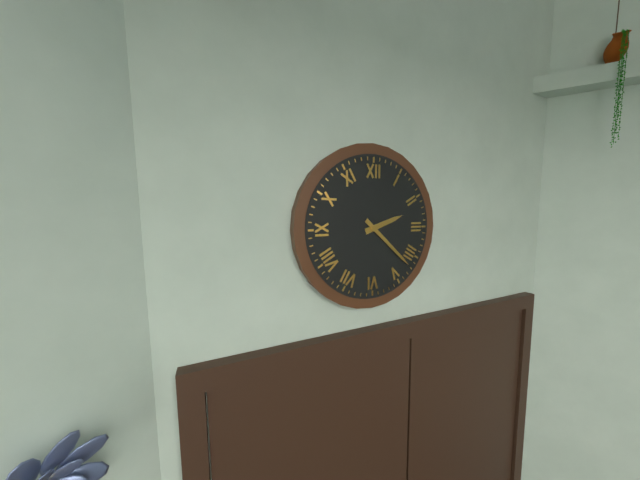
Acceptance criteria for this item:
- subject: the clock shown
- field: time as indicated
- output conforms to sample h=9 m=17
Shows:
h=2 m=22
